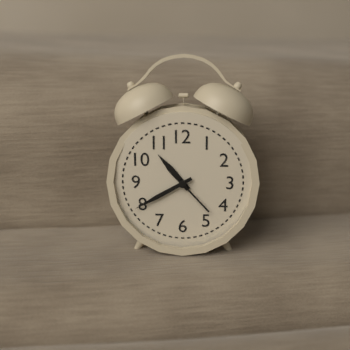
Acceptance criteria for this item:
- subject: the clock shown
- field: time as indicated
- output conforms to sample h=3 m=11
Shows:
h=10 m=40
